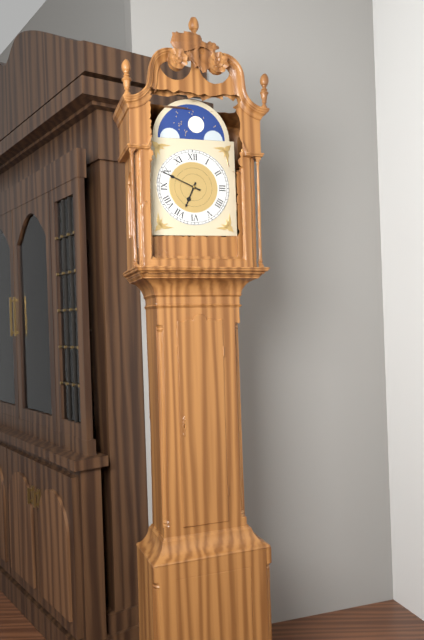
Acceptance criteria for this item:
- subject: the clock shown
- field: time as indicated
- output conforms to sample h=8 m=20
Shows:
h=6 m=49
